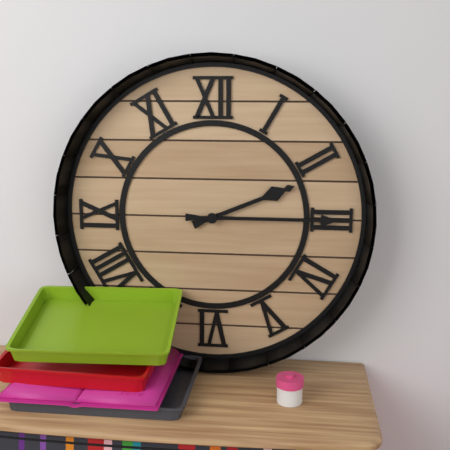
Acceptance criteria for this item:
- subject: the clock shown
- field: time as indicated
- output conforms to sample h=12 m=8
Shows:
h=2 m=15
